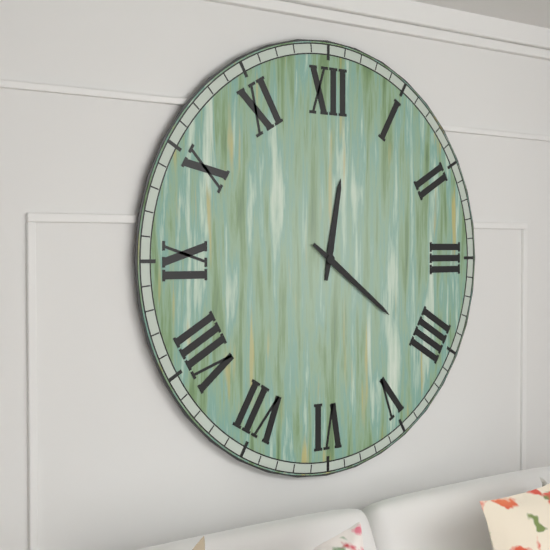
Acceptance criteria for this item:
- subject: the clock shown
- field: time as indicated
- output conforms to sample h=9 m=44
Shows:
h=12 m=21
